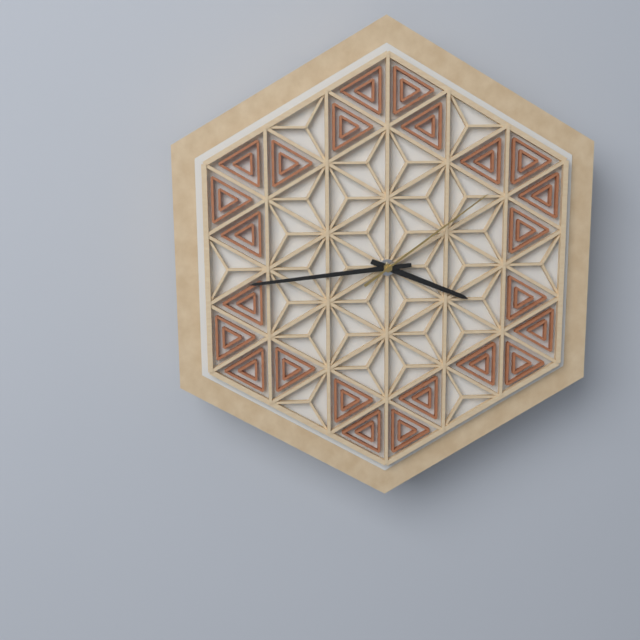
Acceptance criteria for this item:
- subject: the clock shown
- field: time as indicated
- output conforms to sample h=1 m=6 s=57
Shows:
h=3 m=44 s=9
